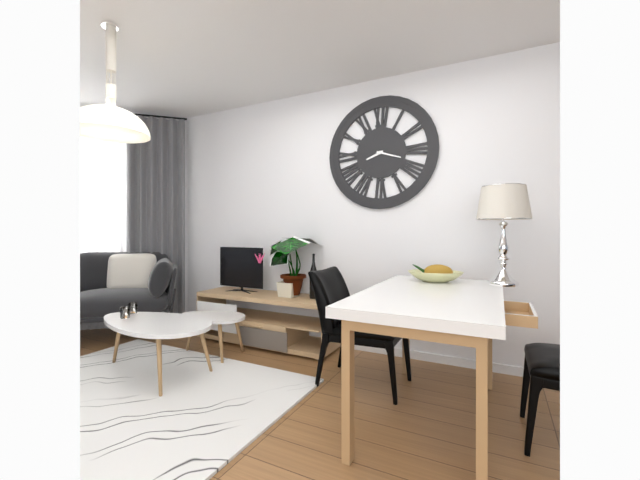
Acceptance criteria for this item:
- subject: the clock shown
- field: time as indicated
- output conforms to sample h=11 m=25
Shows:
h=8 m=18
